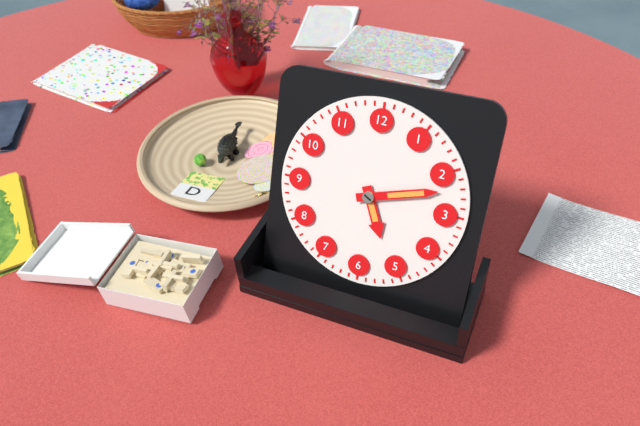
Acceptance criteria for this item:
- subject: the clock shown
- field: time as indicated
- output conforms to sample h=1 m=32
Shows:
h=5 m=12
